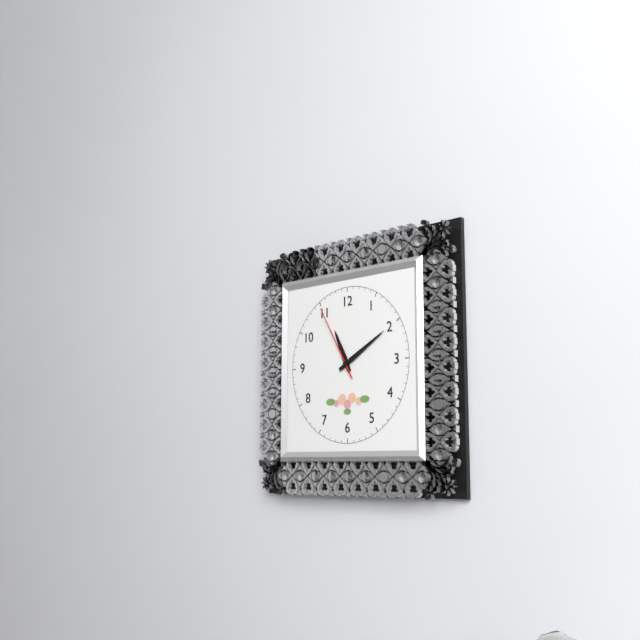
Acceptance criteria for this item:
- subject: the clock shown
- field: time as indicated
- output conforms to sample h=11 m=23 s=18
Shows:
h=11 m=10 s=55
